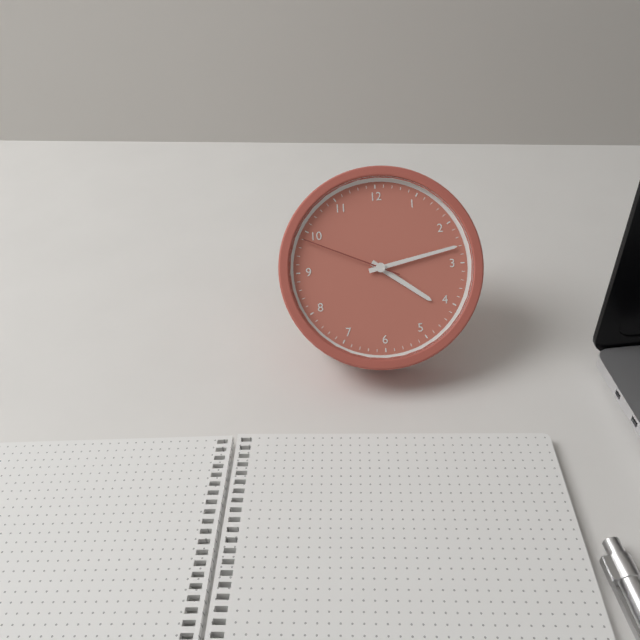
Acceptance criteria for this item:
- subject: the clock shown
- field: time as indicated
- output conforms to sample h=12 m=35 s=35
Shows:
h=4 m=13 s=49
